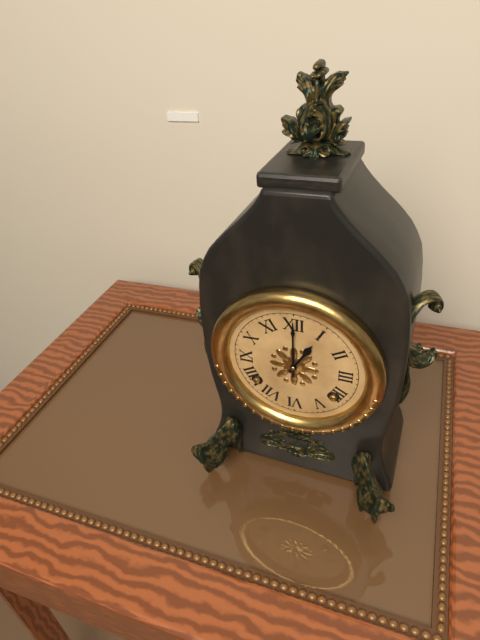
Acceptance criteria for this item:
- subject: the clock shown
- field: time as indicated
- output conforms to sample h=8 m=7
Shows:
h=1 m=0
